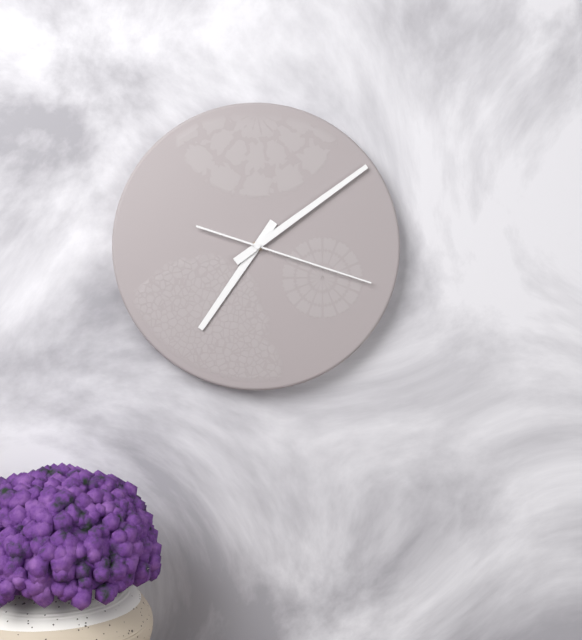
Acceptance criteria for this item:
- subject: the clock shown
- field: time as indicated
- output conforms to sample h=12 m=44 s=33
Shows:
h=7 m=9 s=18
